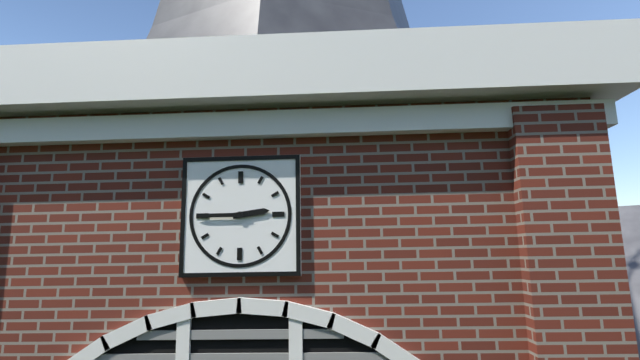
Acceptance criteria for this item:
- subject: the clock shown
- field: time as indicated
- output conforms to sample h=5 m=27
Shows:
h=2 m=45
